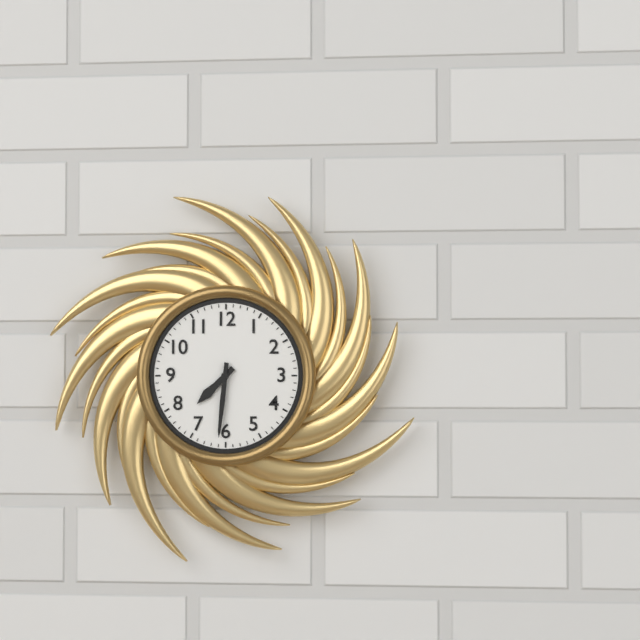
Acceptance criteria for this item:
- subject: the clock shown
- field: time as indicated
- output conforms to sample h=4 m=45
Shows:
h=7 m=31
